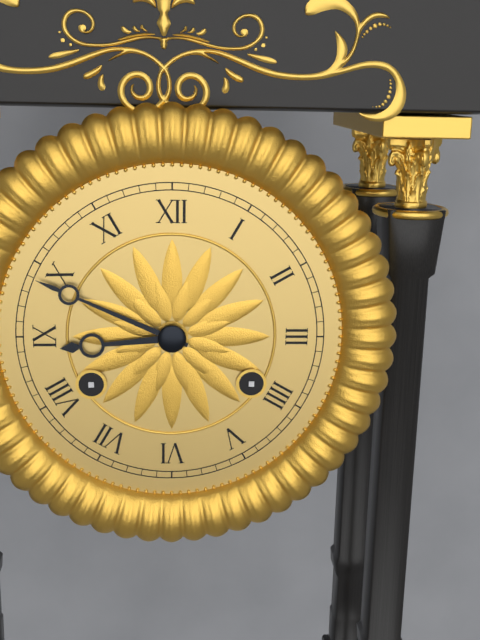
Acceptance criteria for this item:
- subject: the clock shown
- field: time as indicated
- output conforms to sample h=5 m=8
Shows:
h=8 m=49
